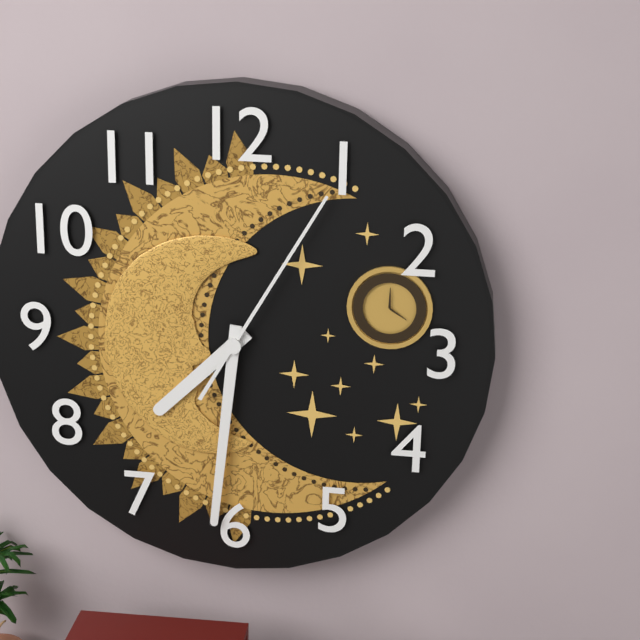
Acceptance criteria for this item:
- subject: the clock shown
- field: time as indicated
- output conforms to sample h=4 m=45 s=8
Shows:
h=7 m=31 s=5
